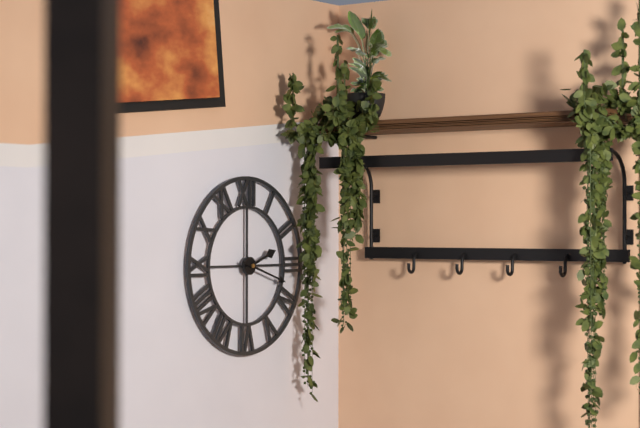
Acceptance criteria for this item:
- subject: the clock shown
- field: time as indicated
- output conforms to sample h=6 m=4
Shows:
h=2 m=18
